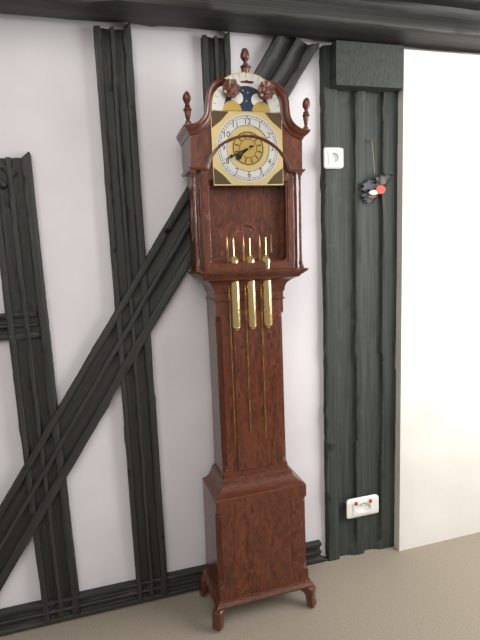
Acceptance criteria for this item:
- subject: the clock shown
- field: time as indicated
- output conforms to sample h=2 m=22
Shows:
h=7 m=41
